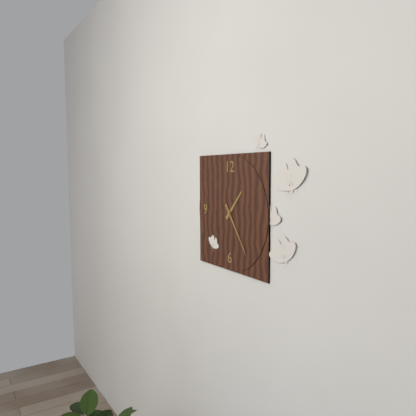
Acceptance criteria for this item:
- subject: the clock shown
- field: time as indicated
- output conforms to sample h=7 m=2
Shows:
h=1 m=24
